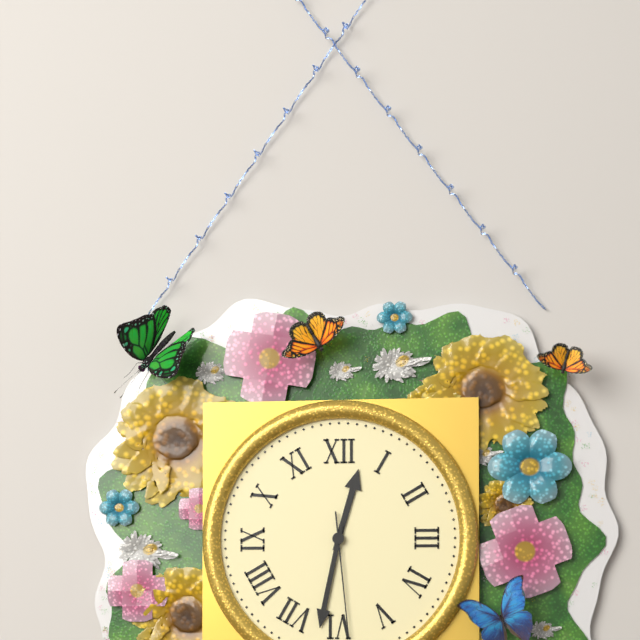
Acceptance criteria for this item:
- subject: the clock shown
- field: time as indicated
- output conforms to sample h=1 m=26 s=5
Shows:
h=12 m=32 s=29
